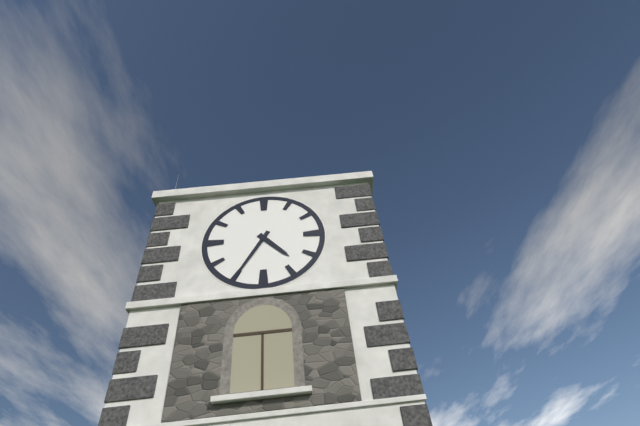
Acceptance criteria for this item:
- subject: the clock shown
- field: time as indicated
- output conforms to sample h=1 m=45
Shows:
h=4 m=35
